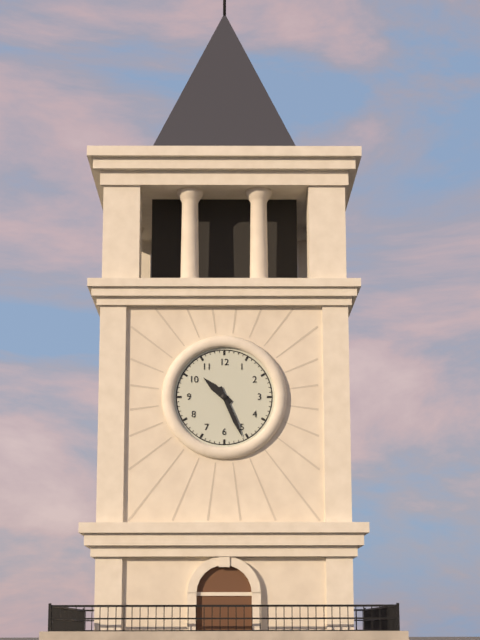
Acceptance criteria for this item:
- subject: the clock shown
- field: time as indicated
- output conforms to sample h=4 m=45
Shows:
h=10 m=26
